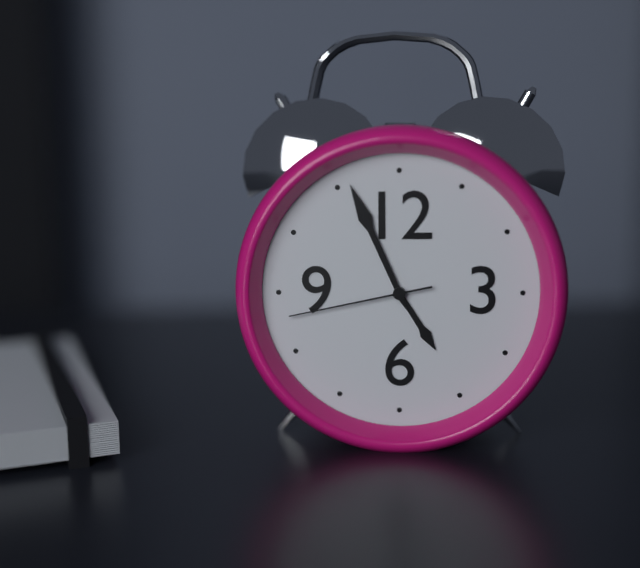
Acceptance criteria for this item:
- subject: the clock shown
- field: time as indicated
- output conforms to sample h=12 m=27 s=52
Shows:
h=4 m=56 s=43
